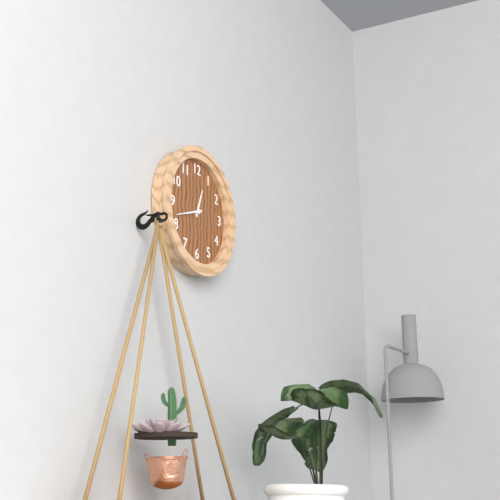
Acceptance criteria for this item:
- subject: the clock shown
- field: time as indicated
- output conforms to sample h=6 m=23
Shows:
h=12 m=42
